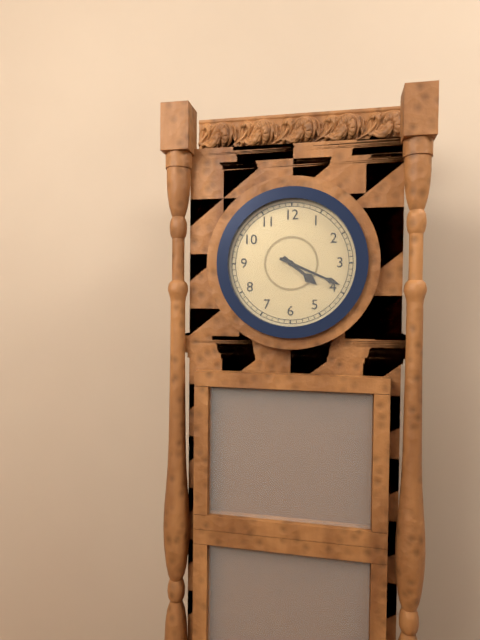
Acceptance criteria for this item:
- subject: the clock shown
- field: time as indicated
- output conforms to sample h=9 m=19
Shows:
h=4 m=19
